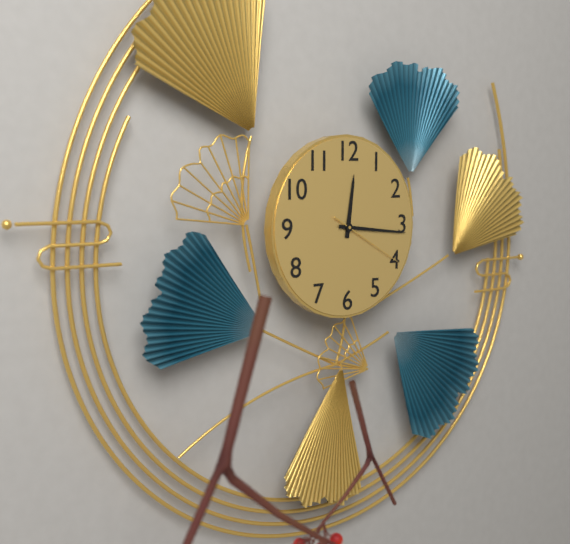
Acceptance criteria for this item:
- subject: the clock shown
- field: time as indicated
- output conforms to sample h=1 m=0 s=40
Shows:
h=12 m=16 s=20
